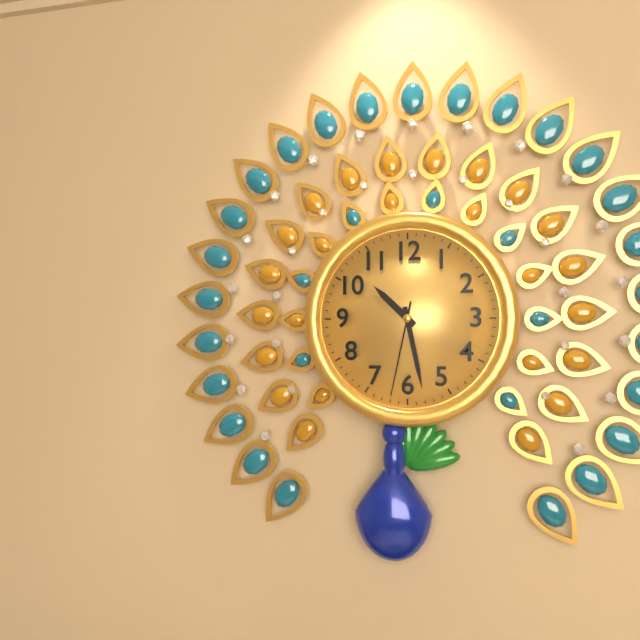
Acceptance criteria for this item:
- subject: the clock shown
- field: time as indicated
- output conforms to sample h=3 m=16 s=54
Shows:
h=10 m=28 s=32
